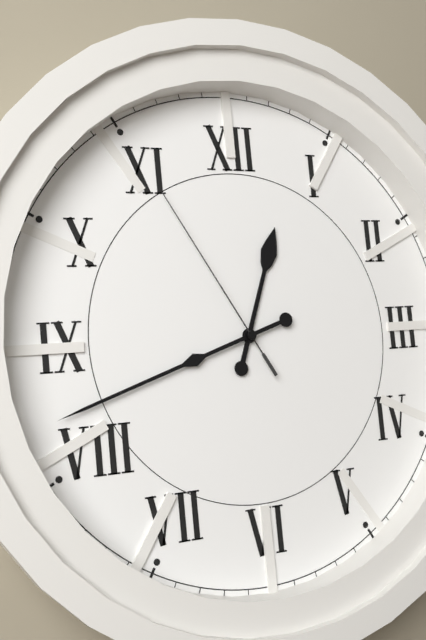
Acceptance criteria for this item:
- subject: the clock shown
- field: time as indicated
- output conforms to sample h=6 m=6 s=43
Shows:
h=12 m=42 s=55
